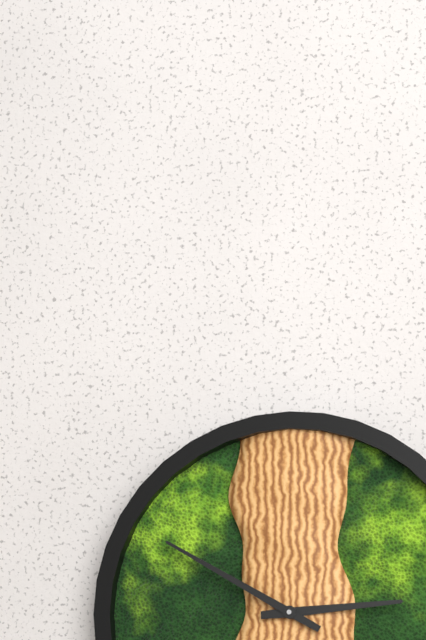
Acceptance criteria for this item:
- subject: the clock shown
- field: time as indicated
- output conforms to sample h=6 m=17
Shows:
h=2 m=50
